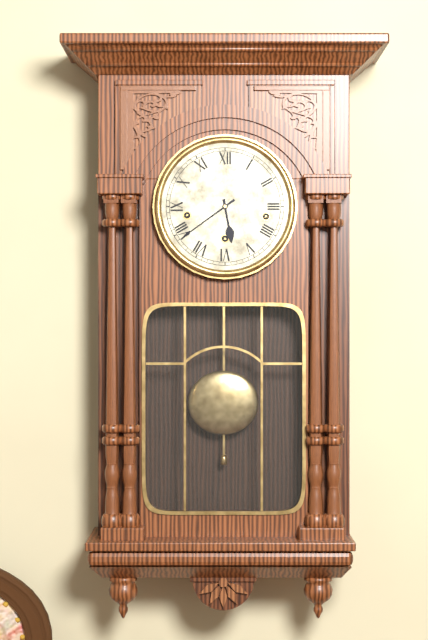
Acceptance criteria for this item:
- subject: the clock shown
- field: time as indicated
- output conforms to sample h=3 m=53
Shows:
h=5 m=39
